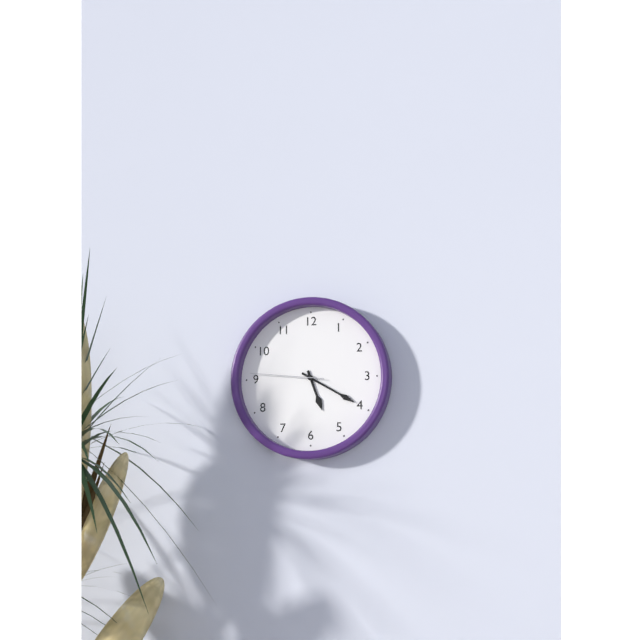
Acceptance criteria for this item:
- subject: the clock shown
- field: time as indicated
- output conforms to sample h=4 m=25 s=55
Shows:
h=5 m=20 s=46
